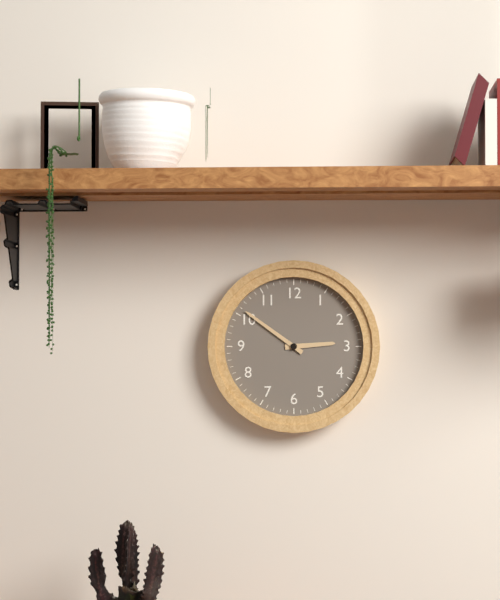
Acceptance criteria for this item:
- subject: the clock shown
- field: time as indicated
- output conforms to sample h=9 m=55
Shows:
h=2 m=51
